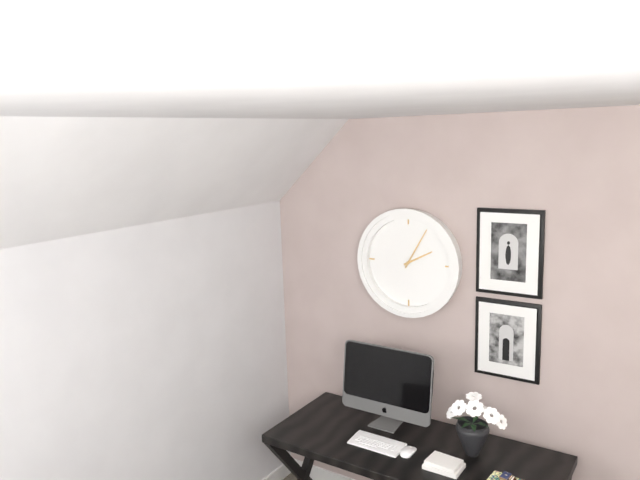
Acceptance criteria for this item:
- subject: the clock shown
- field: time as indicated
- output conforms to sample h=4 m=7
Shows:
h=2 m=5
